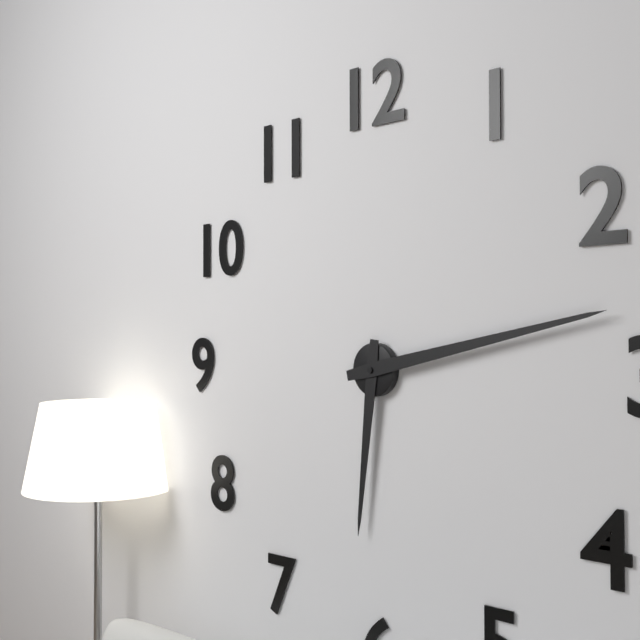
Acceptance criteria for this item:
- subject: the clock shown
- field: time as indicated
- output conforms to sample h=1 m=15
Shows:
h=6 m=13
